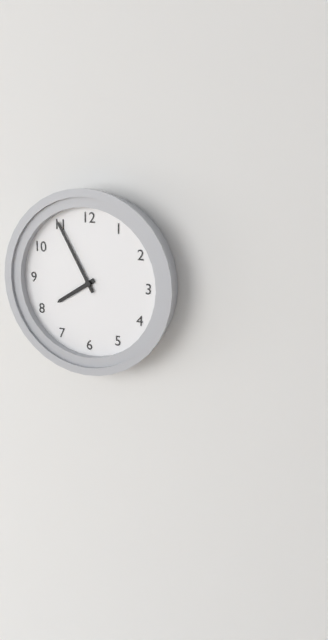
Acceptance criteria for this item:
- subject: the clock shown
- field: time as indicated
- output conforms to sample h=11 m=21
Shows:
h=7 m=55
